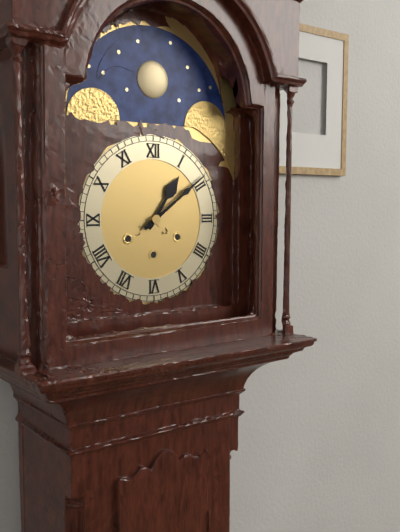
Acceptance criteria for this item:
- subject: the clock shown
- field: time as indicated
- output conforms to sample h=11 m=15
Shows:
h=1 m=9
